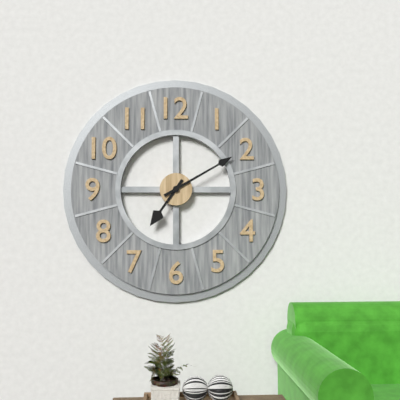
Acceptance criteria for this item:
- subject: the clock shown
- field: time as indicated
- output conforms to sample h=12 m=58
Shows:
h=7 m=10
